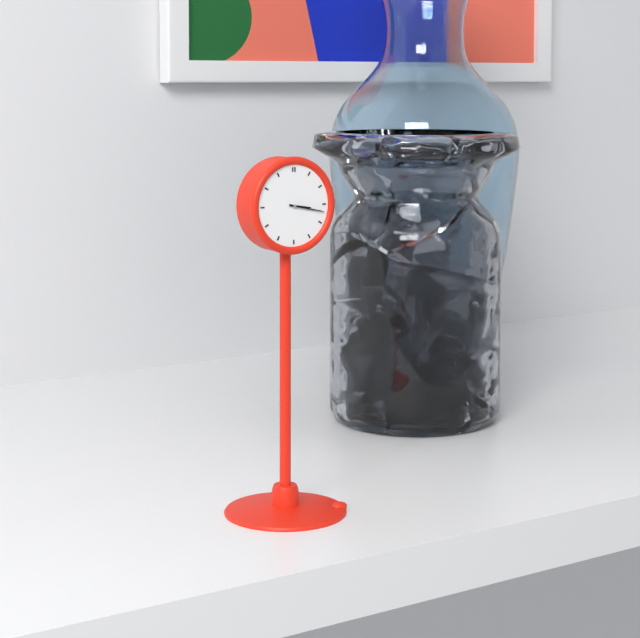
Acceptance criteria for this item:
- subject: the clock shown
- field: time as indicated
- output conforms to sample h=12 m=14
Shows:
h=3 m=17
